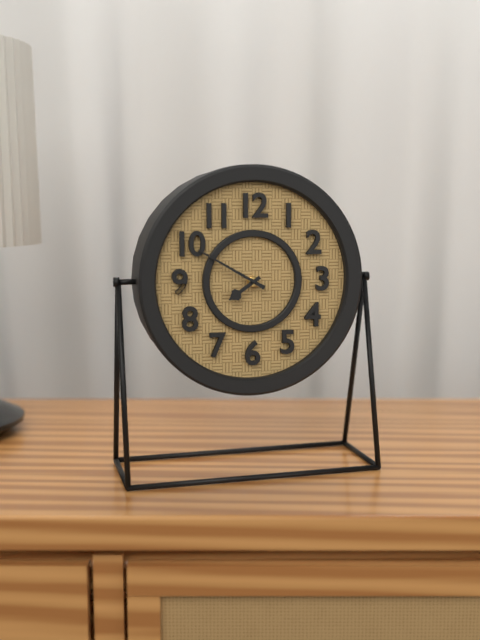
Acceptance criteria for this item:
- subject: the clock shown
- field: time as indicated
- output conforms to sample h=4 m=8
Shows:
h=7 m=50
